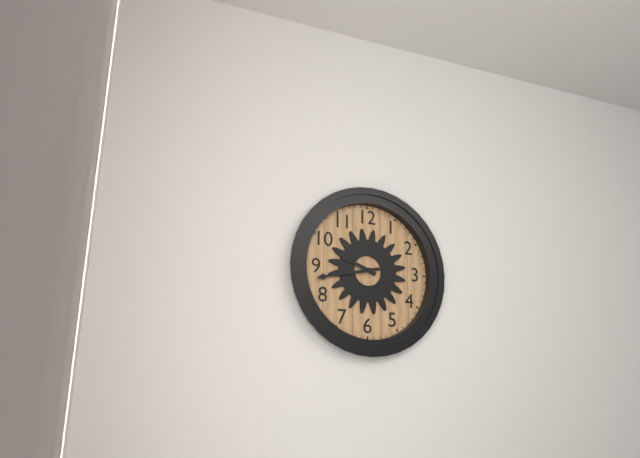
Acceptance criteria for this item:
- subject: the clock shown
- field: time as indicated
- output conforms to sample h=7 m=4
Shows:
h=9 m=43
